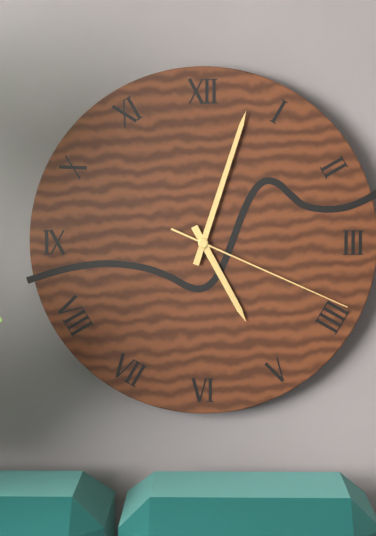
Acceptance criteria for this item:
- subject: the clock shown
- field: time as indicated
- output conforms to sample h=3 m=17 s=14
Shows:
h=5 m=3 s=19
